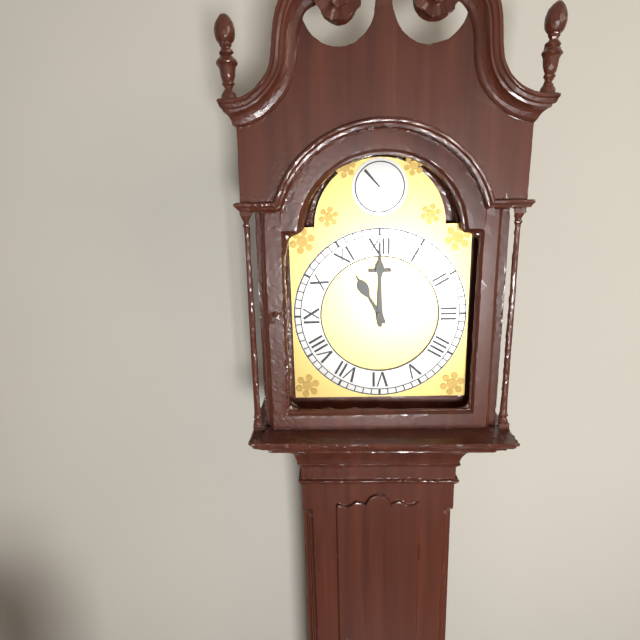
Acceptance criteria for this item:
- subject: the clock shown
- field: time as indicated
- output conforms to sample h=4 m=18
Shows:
h=11 m=0
